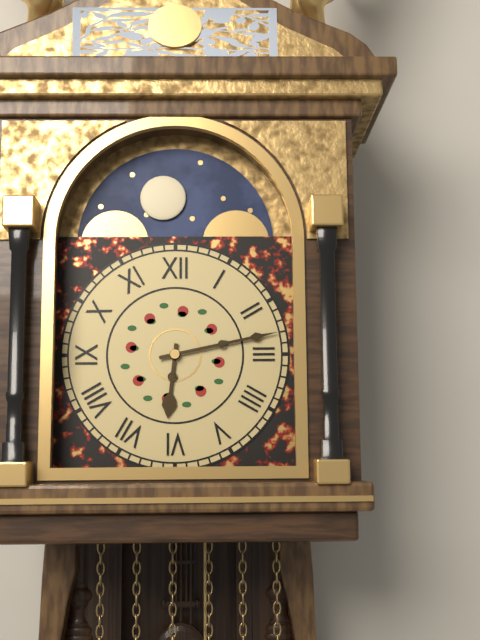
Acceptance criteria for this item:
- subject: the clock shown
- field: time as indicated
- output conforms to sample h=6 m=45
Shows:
h=6 m=13
